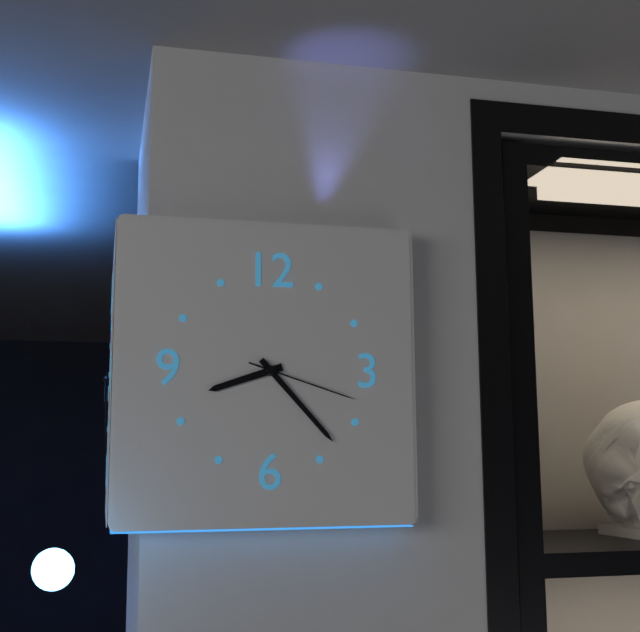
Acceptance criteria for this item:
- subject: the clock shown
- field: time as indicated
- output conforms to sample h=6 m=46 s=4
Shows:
h=8 m=23 s=18
